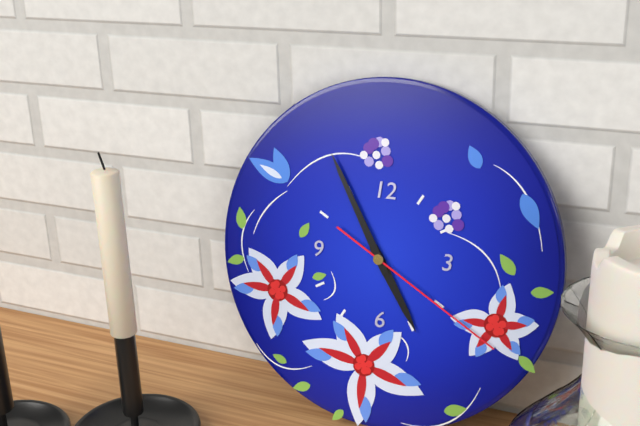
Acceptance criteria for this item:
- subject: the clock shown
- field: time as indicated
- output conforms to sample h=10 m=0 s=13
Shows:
h=4 m=55 s=20
